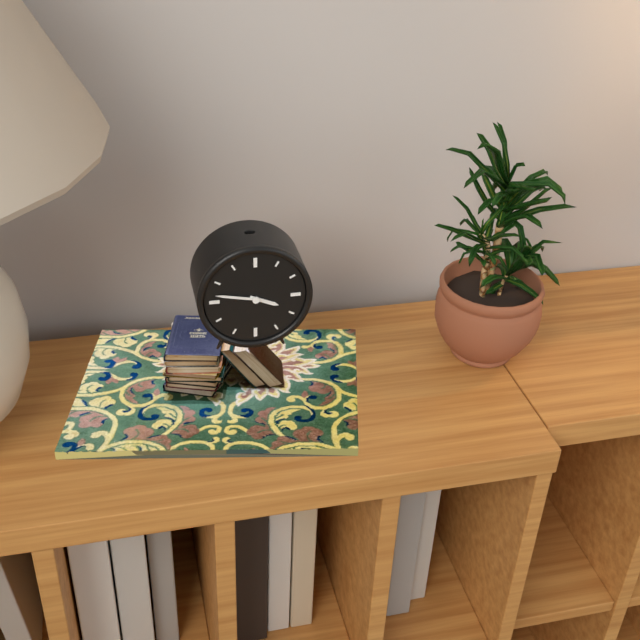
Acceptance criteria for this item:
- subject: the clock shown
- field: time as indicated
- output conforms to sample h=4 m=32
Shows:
h=3 m=47
